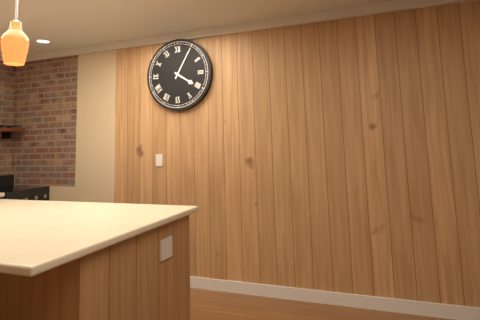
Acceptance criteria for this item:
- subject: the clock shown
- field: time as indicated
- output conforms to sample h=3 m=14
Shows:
h=4 m=5
